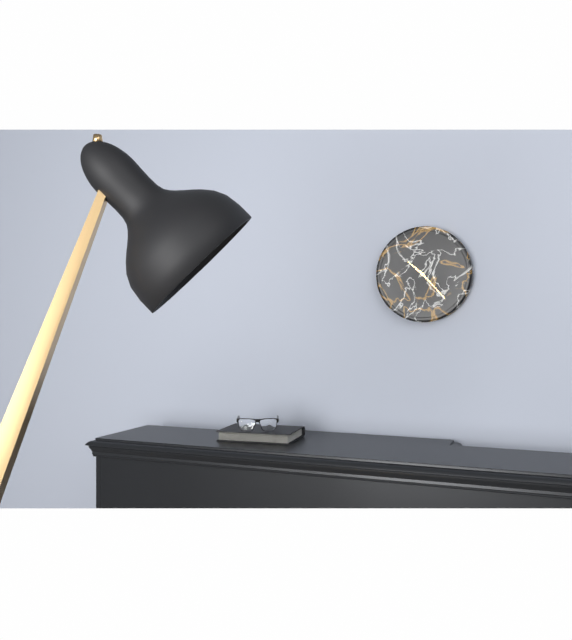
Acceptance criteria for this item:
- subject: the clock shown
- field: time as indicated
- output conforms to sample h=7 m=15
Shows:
h=10 m=23
